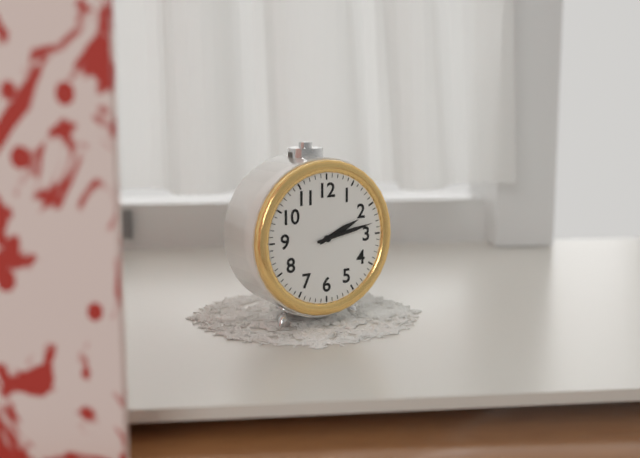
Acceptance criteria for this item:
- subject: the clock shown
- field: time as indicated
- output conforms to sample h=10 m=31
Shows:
h=2 m=13
